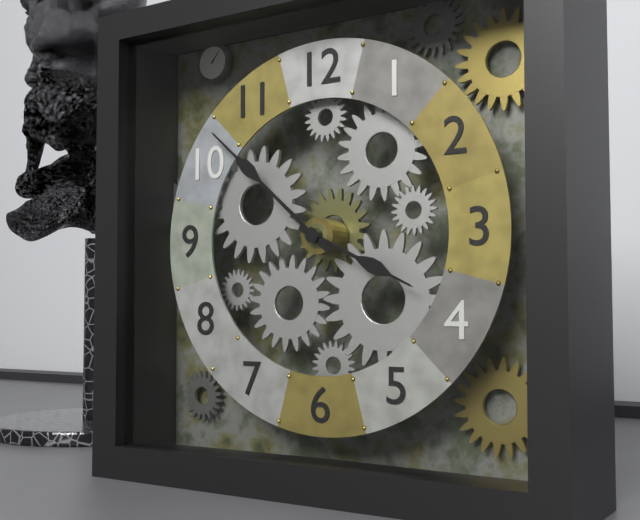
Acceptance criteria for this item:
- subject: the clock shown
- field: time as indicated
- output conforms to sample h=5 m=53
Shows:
h=3 m=52
